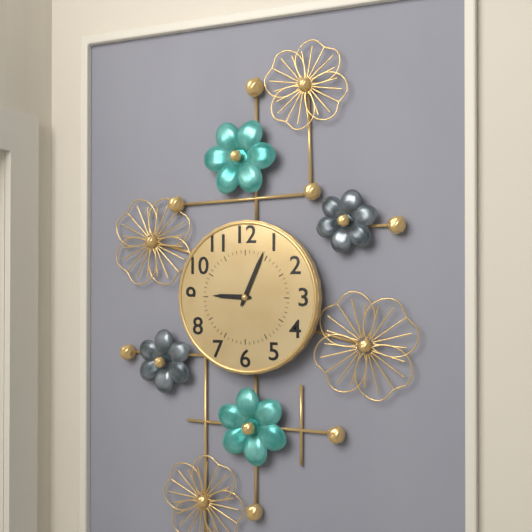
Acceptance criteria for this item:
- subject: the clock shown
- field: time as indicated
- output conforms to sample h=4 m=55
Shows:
h=9 m=4
